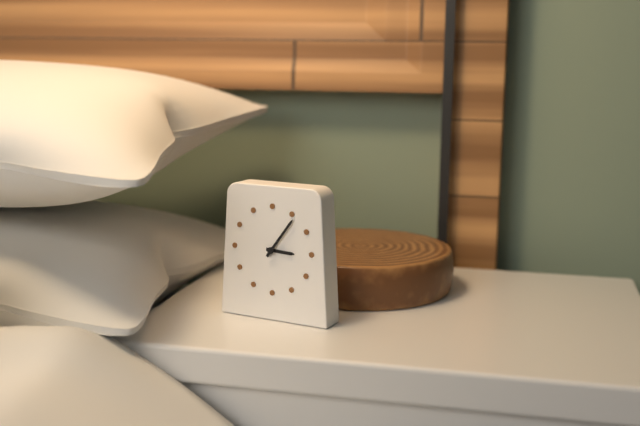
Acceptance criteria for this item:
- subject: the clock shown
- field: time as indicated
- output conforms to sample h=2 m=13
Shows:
h=3 m=6
